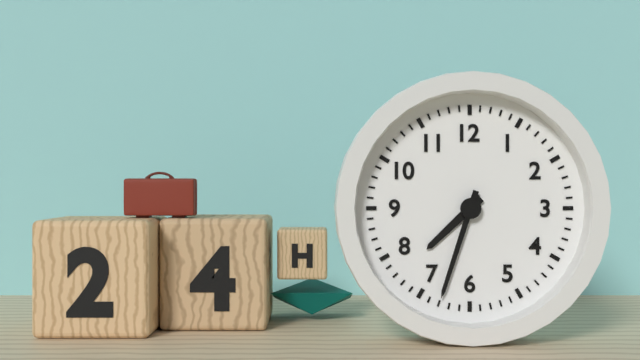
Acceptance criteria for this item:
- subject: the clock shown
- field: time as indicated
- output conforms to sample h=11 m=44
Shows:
h=7 m=33
